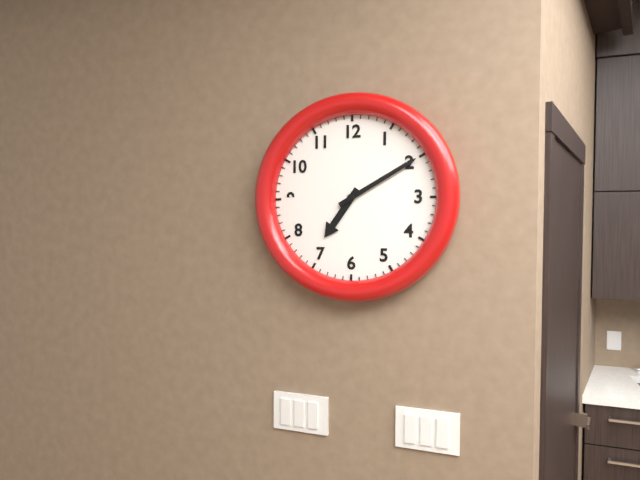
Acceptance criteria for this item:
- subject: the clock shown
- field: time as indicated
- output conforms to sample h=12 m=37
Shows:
h=7 m=10
